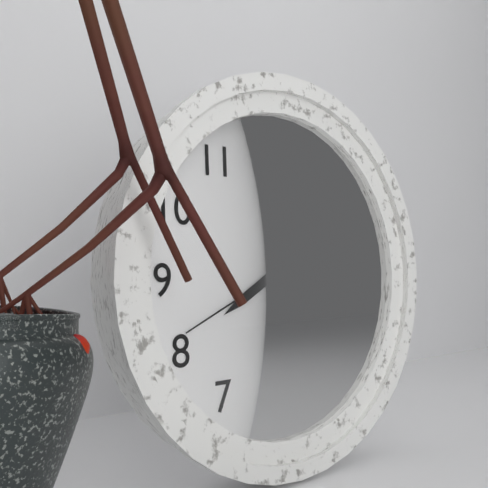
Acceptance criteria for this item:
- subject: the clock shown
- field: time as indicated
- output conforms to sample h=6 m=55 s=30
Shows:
h=8 m=1 s=41
